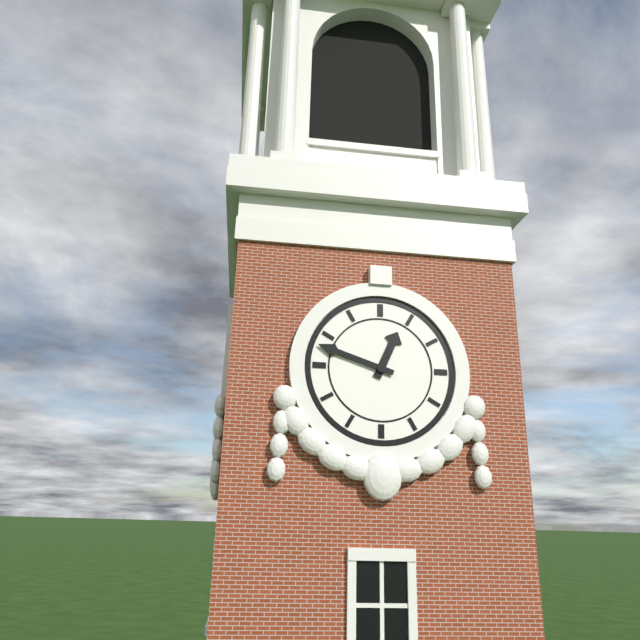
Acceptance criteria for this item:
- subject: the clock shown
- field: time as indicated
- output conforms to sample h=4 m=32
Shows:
h=12 m=48
